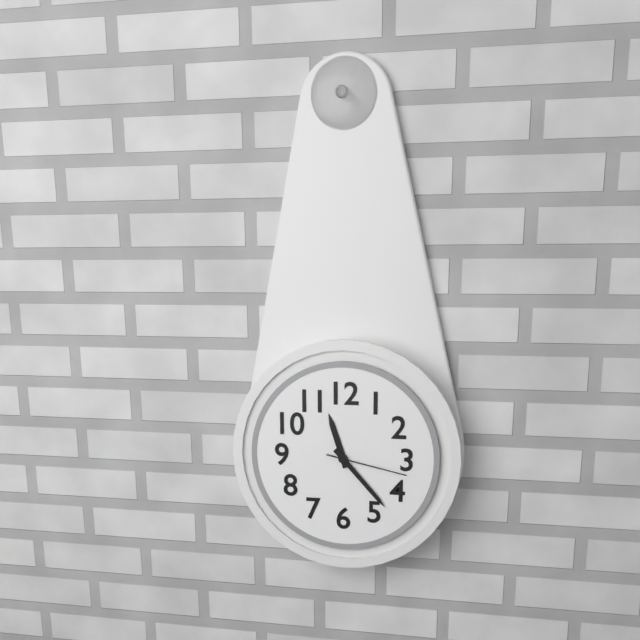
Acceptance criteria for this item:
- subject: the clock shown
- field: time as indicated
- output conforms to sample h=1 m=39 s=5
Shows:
h=11 m=23 s=17
